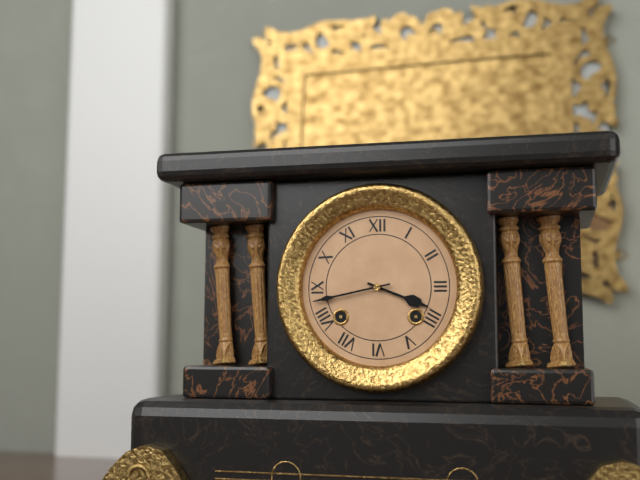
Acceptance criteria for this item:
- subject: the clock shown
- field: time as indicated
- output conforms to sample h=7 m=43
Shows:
h=3 m=43
